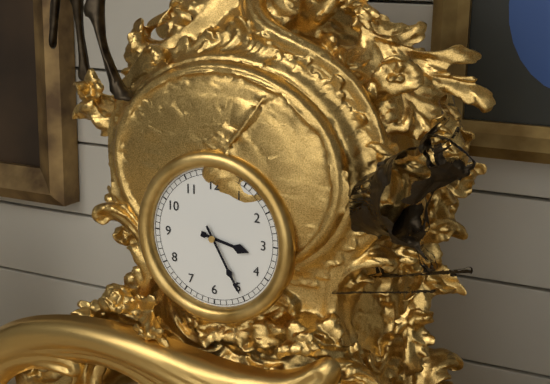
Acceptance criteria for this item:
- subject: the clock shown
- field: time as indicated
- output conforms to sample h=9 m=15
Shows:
h=3 m=25
